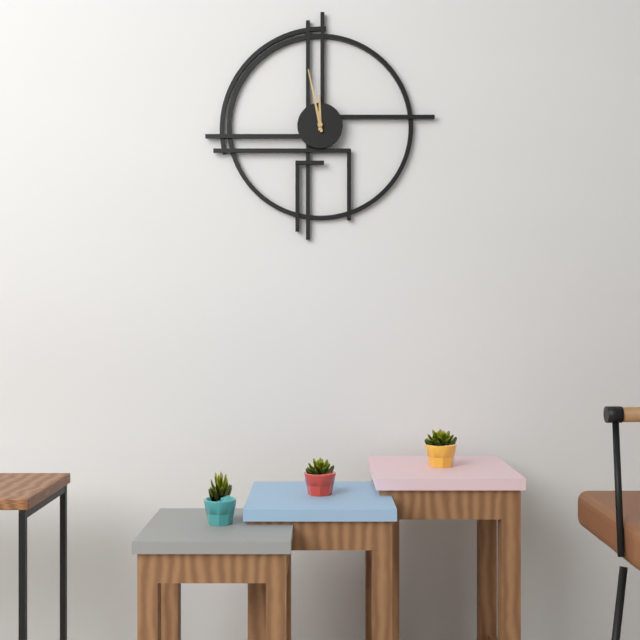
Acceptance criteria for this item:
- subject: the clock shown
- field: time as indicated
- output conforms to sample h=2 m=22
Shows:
h=11 m=58
